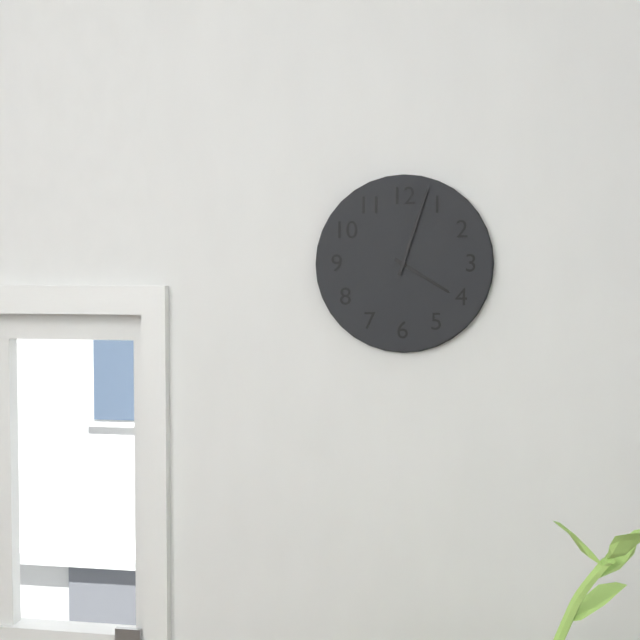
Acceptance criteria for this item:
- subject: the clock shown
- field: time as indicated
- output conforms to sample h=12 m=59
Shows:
h=4 m=3
